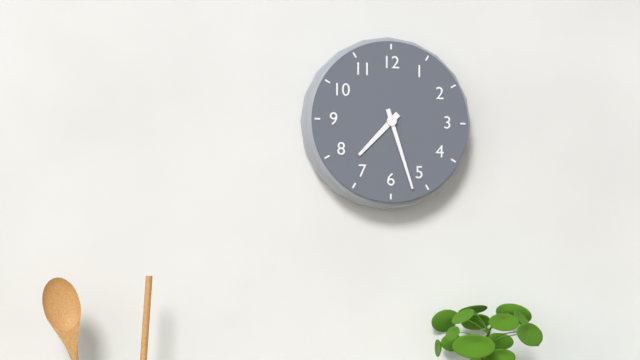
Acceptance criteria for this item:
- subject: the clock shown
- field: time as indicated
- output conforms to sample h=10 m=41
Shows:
h=7 m=27
